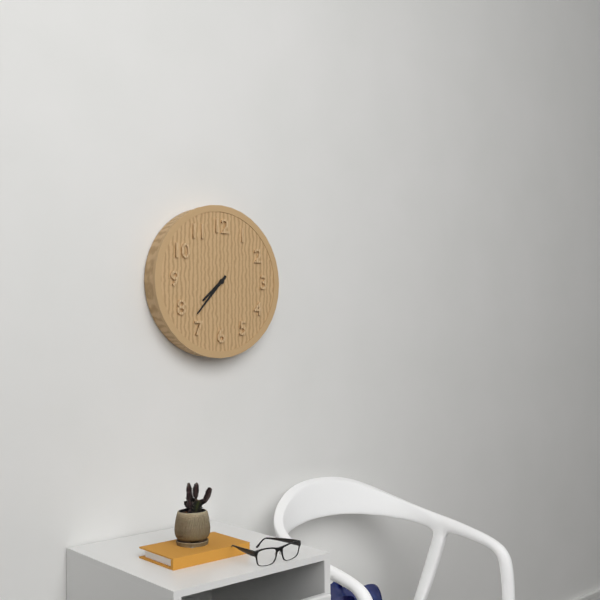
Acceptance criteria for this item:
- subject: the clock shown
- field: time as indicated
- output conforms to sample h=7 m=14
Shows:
h=7 m=37
